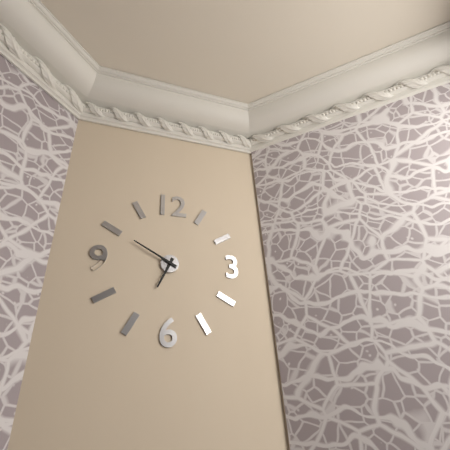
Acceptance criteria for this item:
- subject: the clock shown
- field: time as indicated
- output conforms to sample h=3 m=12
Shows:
h=6 m=50
